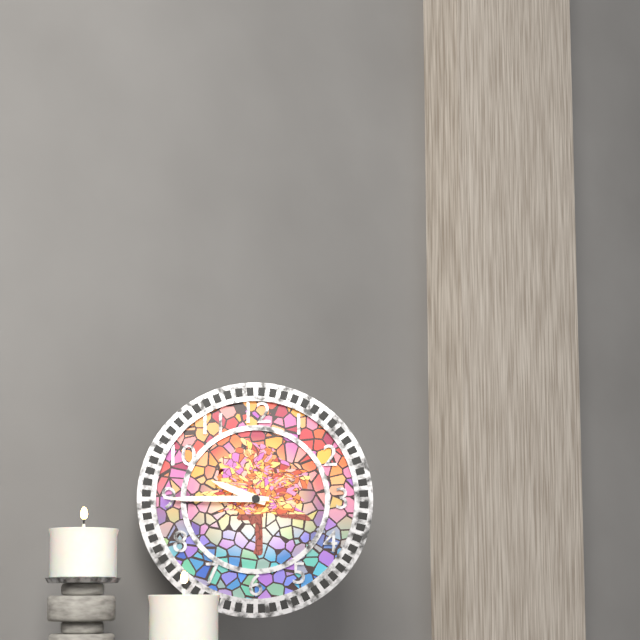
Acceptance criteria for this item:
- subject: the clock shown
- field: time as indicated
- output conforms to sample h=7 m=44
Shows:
h=9 m=45
